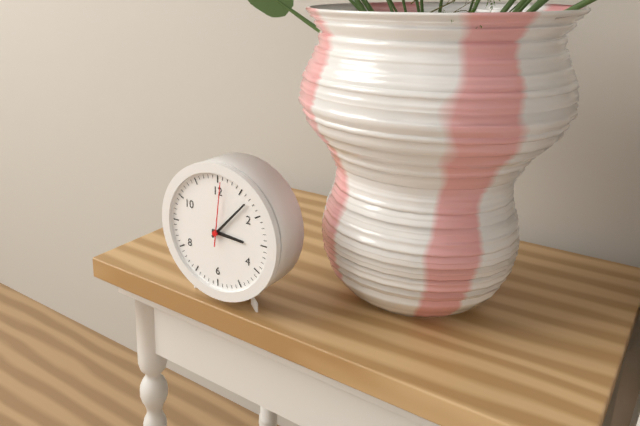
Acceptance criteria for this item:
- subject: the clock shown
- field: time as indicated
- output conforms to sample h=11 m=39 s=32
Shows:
h=3 m=7 s=1
